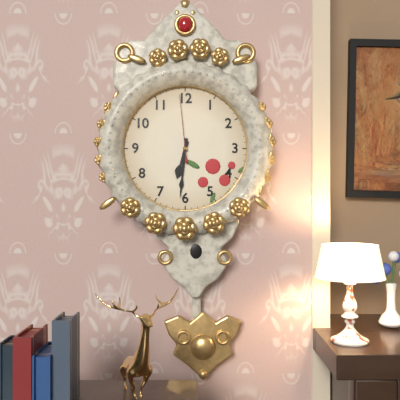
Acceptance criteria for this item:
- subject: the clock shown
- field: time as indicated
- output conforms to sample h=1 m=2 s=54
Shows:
h=6 m=31 s=59
